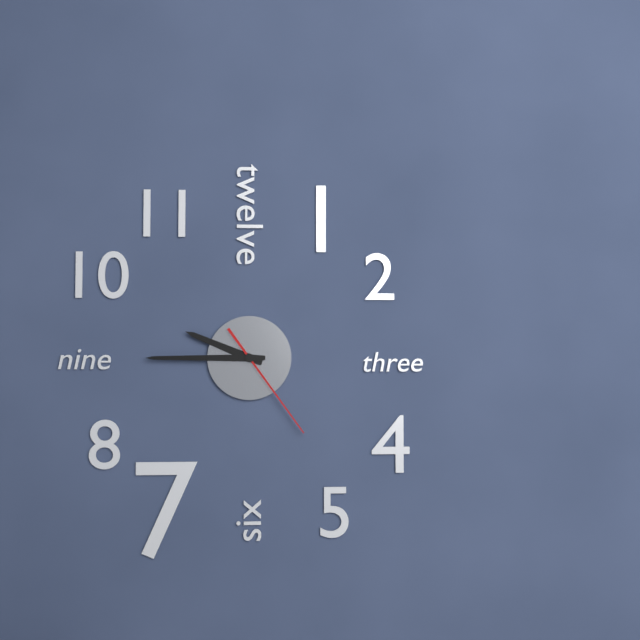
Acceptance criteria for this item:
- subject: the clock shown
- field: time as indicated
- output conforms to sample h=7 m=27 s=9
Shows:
h=9 m=45 s=24
